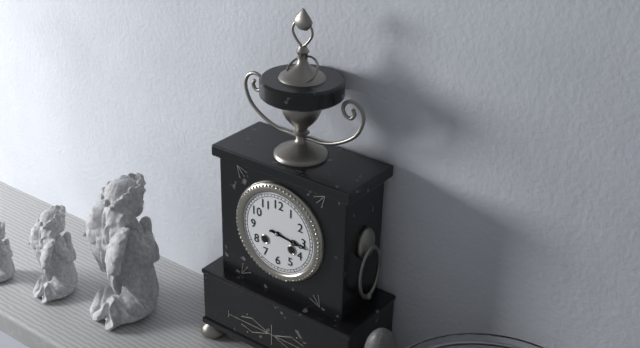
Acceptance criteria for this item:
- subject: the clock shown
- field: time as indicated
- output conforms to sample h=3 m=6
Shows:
h=3 m=16
